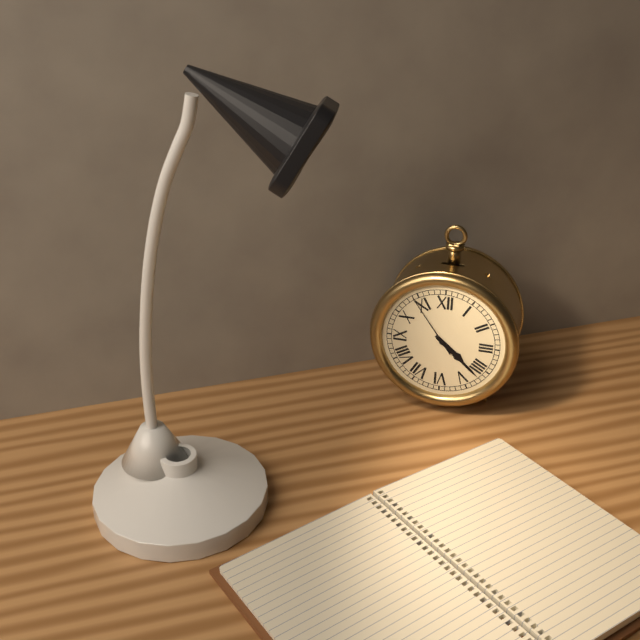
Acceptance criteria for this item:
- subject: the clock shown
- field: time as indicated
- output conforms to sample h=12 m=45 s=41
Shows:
h=4 m=22 s=54
